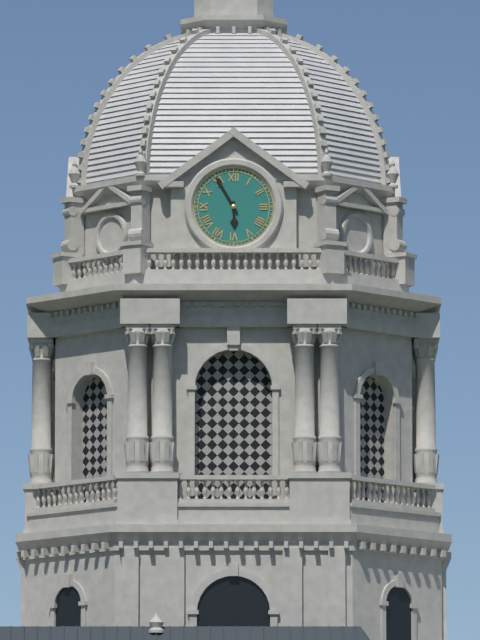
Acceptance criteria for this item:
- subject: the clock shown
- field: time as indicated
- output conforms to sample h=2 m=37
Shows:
h=5 m=55
